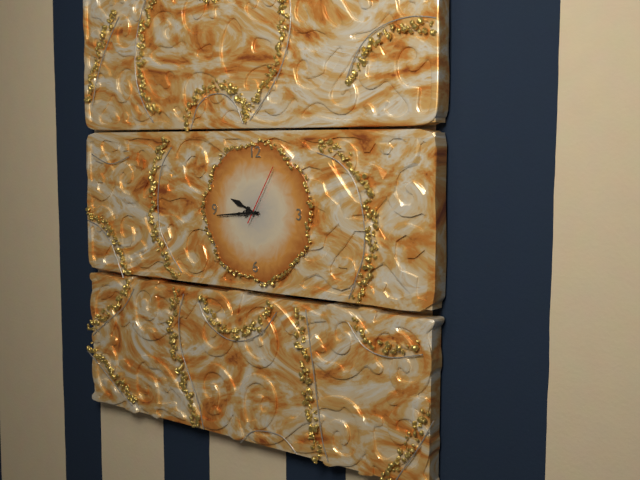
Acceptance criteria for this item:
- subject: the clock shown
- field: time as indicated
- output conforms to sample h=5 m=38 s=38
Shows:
h=9 m=44 s=5
